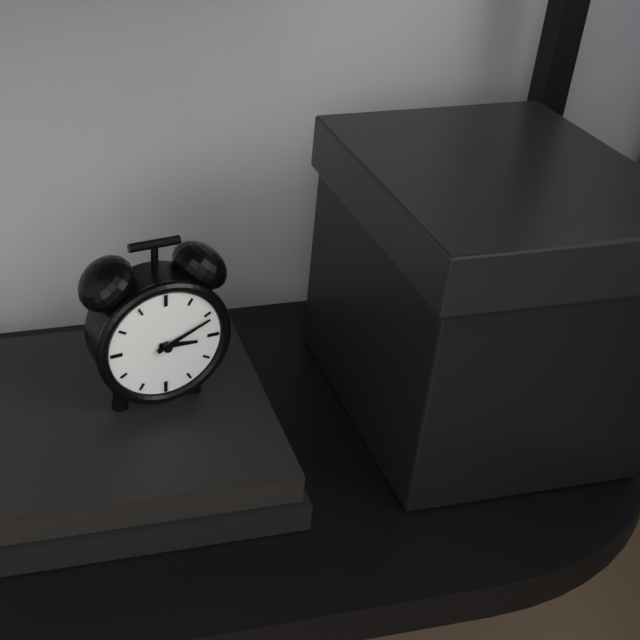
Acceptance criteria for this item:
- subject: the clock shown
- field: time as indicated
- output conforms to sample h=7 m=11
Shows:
h=3 m=11
